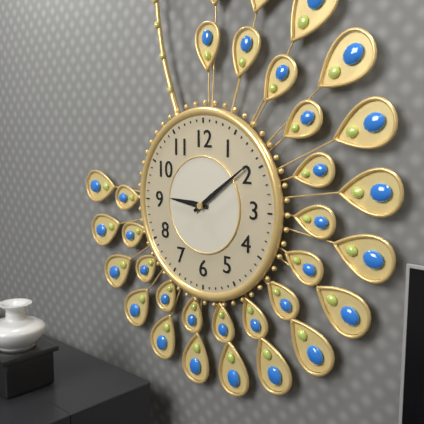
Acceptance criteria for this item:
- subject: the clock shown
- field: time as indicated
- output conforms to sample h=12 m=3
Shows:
h=9 m=9
